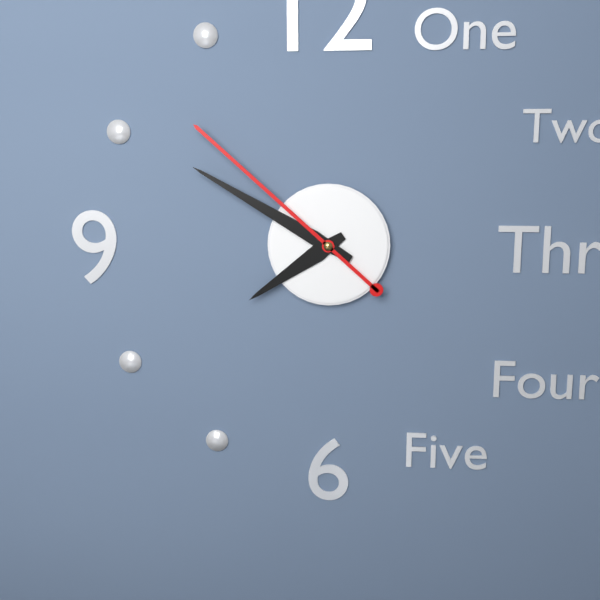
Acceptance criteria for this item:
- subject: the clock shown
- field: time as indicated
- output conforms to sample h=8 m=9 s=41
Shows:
h=7 m=50 s=52
